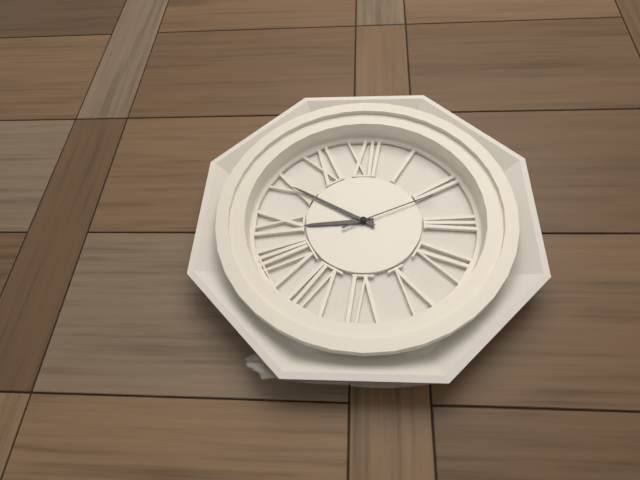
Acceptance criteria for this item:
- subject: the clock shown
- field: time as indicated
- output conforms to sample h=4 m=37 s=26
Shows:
h=8 m=50 s=11
